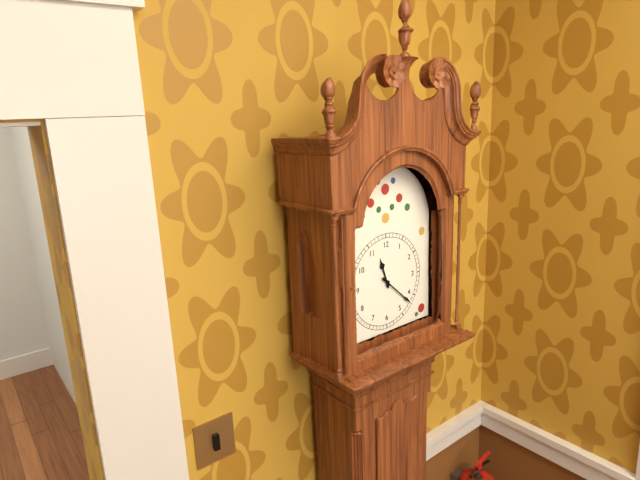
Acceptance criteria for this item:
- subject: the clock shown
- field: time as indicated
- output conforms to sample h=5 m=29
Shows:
h=11 m=22
